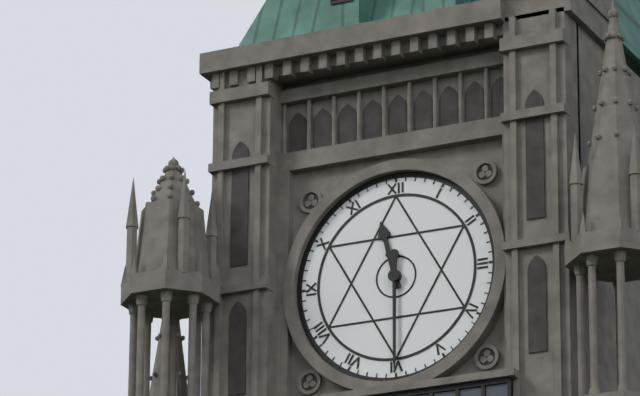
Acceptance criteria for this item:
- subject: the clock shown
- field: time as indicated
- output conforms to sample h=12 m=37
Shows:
h=11 m=30
